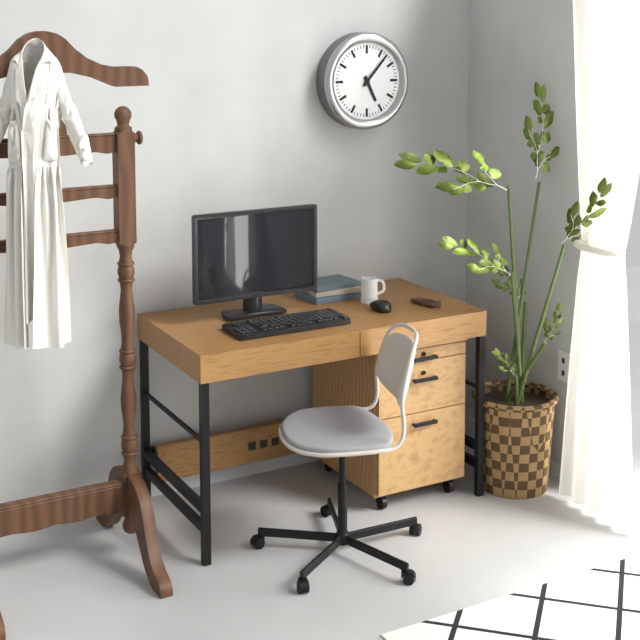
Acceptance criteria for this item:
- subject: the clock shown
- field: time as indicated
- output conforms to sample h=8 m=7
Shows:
h=5 m=7
